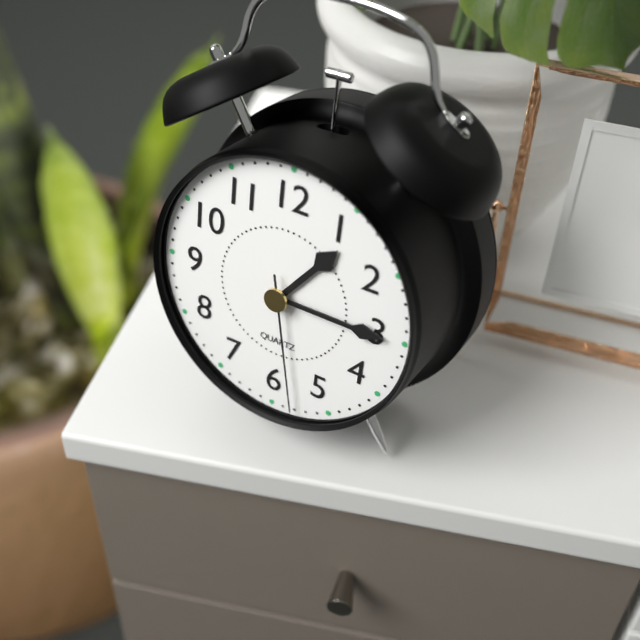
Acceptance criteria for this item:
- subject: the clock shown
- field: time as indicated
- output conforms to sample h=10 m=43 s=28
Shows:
h=1 m=15 s=28
